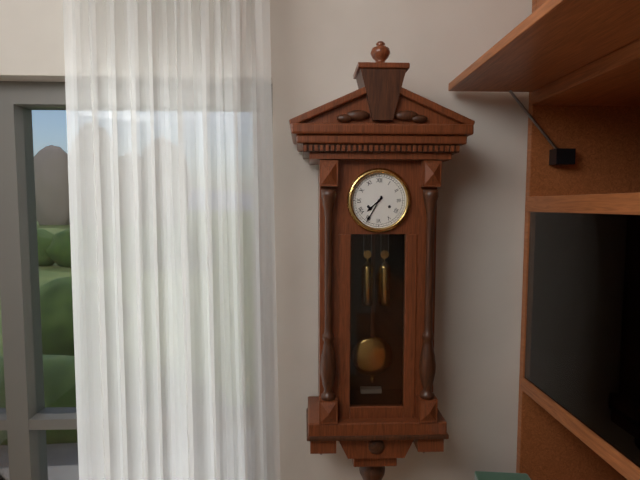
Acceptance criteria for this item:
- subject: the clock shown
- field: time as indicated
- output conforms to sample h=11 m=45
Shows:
h=7 m=35
